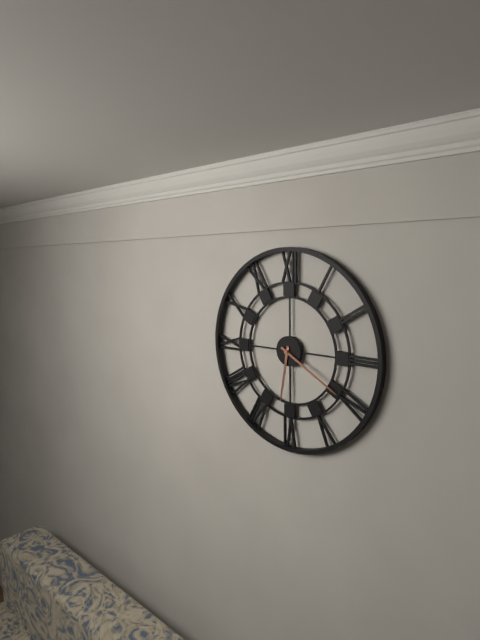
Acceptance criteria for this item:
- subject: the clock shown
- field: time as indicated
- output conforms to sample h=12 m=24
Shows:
h=6 m=20
